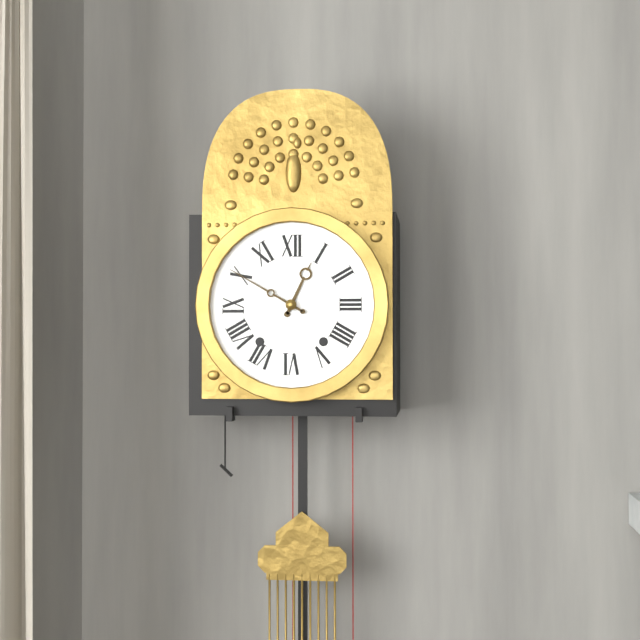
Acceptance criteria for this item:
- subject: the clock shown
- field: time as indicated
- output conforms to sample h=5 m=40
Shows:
h=12 m=50
